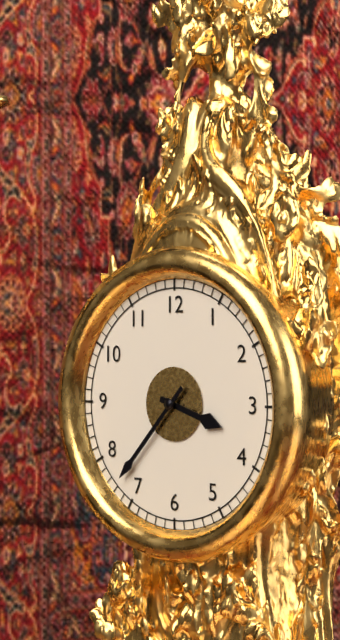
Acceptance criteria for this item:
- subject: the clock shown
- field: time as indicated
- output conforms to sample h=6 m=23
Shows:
h=3 m=37
